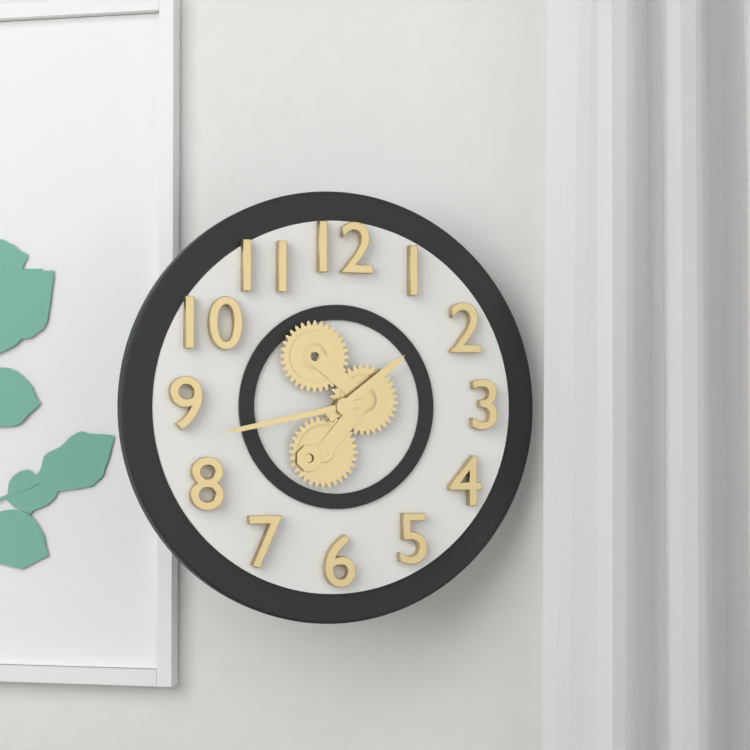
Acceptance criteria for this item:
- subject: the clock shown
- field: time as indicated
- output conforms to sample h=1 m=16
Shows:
h=1 m=43
